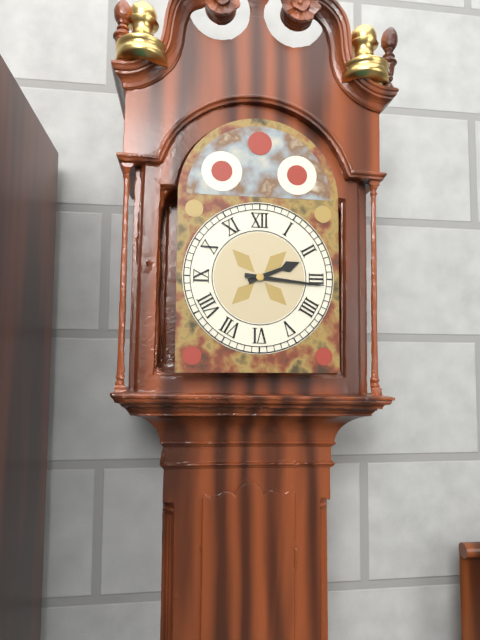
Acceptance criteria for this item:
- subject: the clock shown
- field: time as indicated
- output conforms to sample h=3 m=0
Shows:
h=2 m=16
